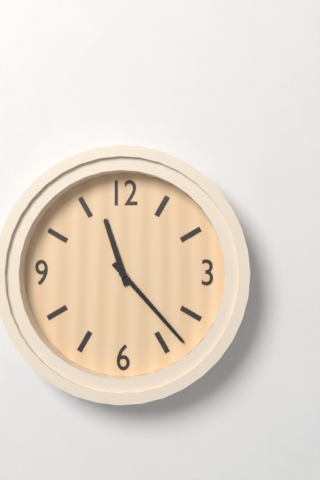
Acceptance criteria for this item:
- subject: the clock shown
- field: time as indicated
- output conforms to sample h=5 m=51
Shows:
h=11 m=23
